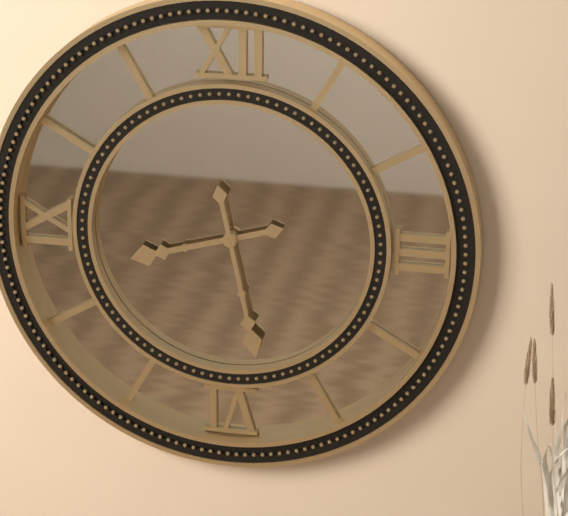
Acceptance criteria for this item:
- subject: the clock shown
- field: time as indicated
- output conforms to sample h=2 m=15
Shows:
h=8 m=28
